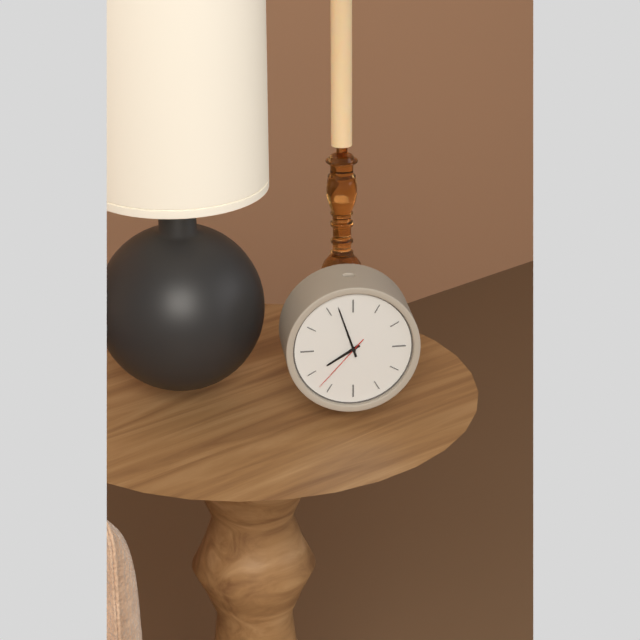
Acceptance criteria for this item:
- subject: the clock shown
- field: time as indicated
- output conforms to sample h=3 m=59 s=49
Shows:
h=7 m=57 s=37
